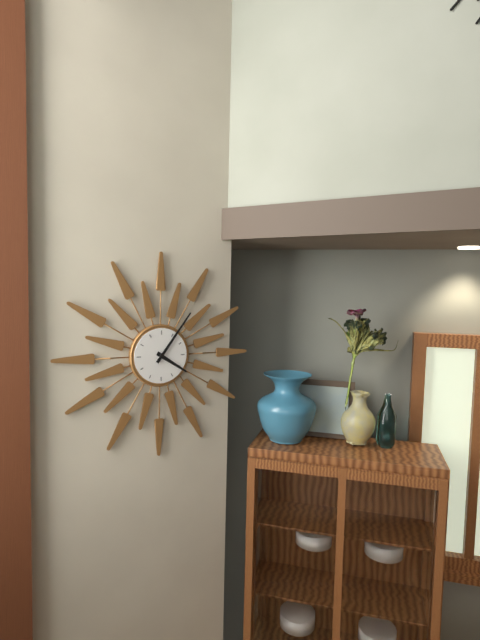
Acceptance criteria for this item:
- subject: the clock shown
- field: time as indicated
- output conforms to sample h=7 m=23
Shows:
h=4 m=6
